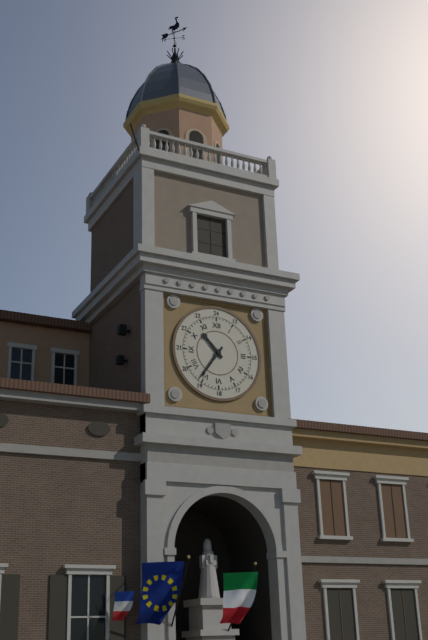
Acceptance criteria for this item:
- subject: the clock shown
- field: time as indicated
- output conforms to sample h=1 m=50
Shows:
h=10 m=36
